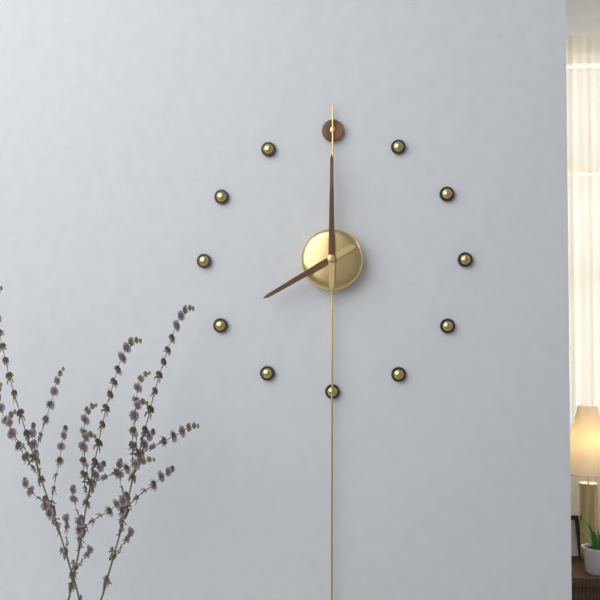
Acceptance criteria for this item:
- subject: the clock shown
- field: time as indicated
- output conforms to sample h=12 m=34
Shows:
h=8 m=0
